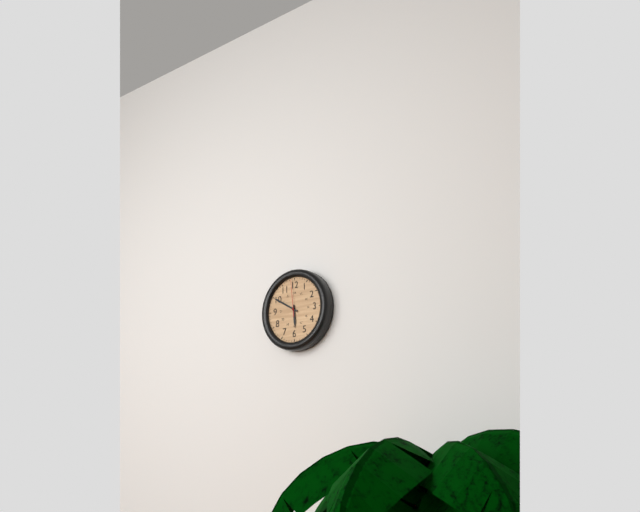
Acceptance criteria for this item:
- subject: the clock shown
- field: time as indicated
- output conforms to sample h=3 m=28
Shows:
h=5 m=50
